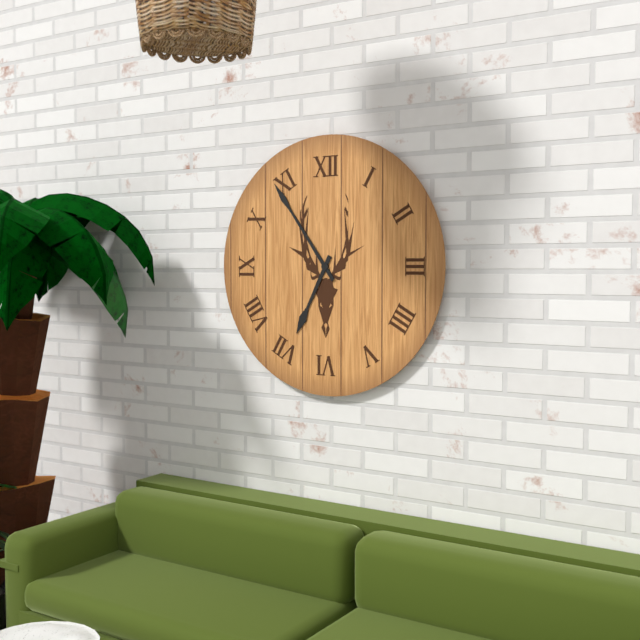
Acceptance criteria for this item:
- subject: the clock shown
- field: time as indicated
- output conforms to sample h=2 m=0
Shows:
h=6 m=54
